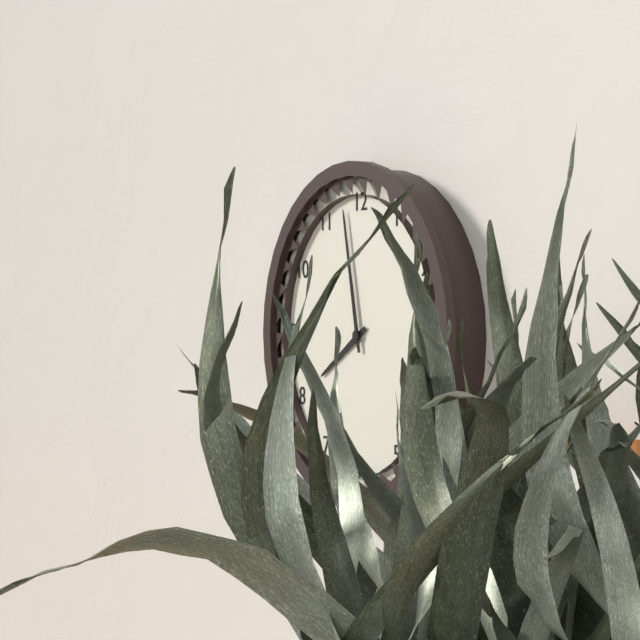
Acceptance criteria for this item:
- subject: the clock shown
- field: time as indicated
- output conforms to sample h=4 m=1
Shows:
h=7 m=58
